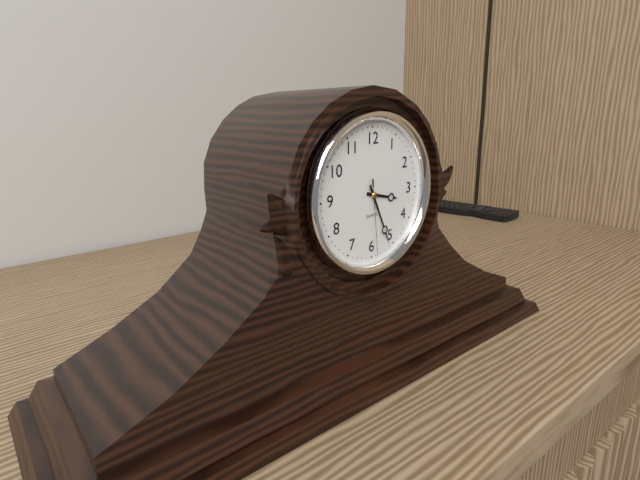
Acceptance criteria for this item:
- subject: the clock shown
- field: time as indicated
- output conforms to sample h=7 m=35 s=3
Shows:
h=3 m=26 s=29
